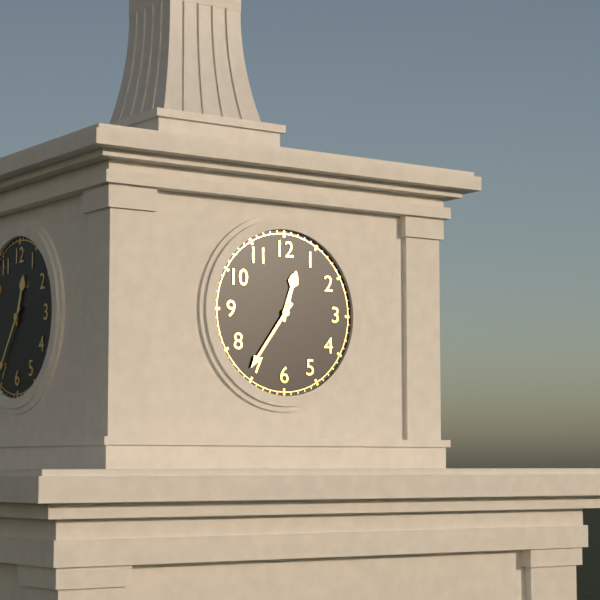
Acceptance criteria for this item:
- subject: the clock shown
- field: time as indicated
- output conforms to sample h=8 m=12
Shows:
h=12 m=36
